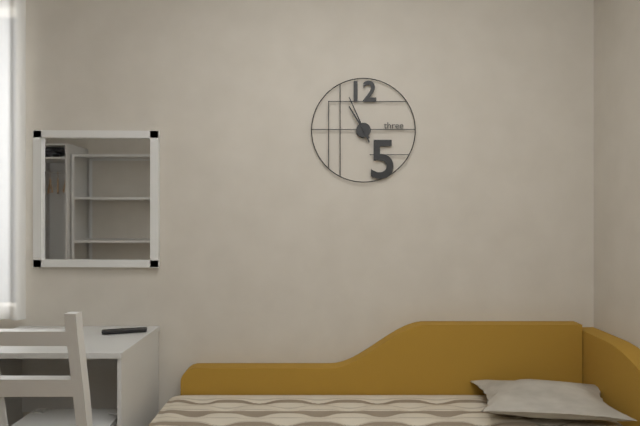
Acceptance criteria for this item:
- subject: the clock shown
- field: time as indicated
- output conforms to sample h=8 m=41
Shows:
h=10 m=56
